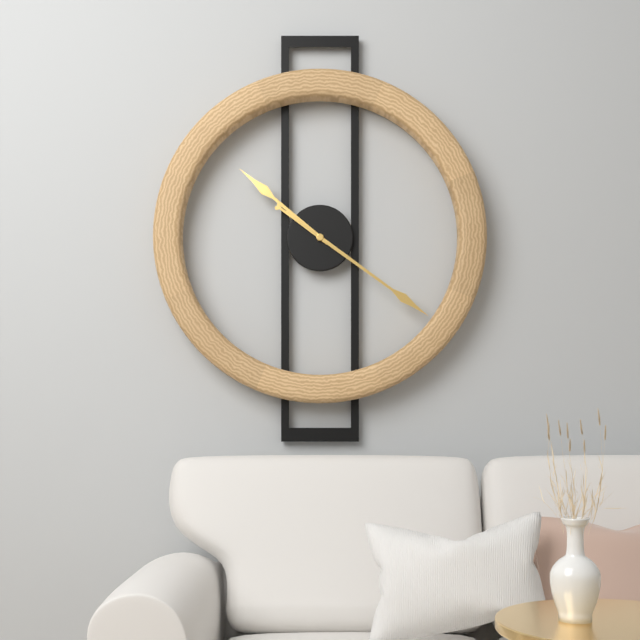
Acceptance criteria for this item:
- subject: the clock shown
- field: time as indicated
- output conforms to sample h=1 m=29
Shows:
h=10 m=21
